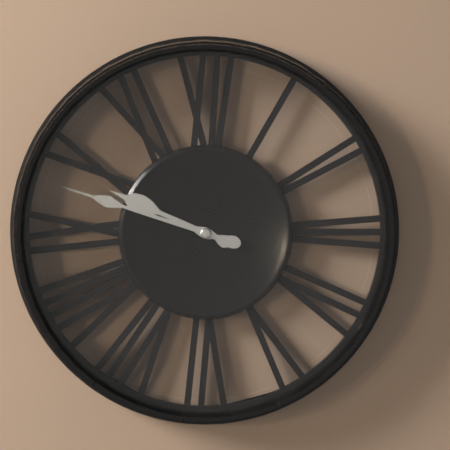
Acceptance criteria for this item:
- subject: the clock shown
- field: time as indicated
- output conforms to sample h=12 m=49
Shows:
h=9 m=48
